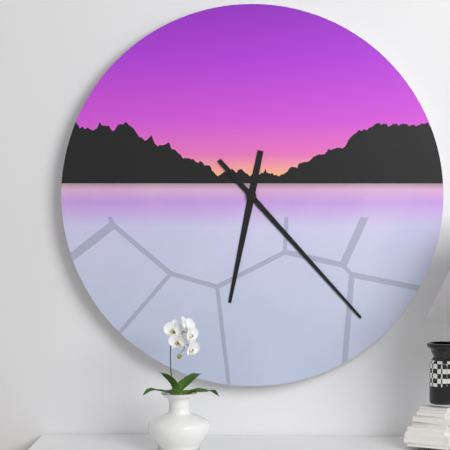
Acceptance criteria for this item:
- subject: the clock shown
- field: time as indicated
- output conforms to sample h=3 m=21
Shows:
h=6 m=23
